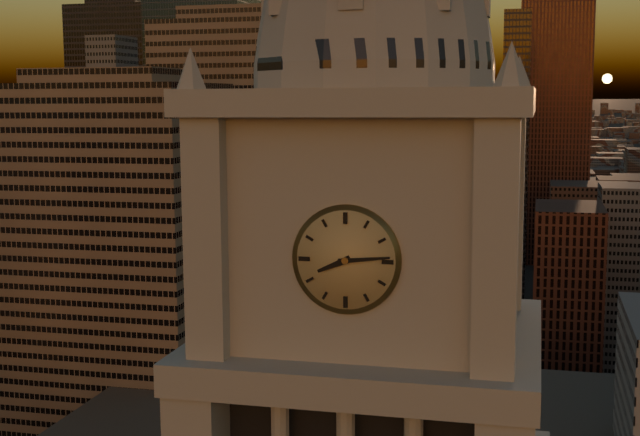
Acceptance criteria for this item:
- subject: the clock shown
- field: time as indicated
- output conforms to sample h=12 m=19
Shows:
h=8 m=14
